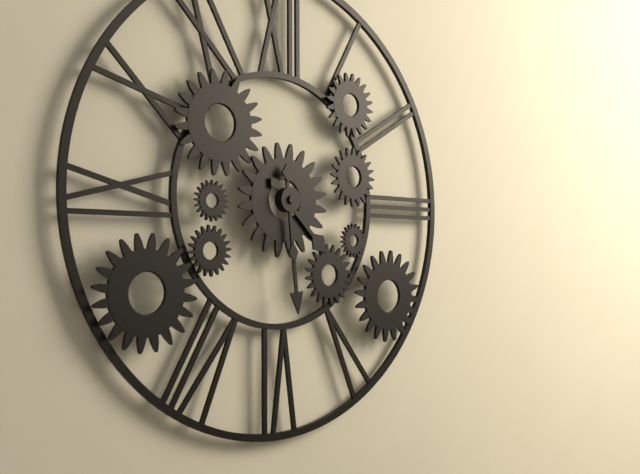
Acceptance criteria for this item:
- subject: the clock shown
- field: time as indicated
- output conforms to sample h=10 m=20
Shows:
h=4 m=29
